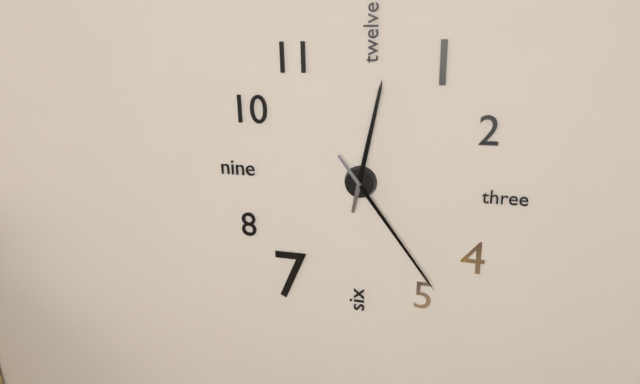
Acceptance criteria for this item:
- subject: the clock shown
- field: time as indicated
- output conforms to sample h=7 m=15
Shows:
h=12 m=24
